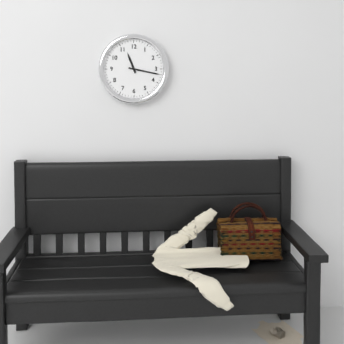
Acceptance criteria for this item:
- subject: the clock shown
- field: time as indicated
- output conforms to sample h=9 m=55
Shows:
h=11 m=17
